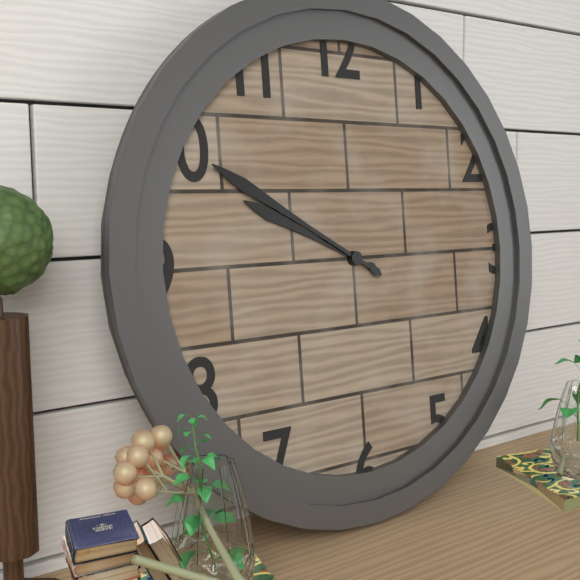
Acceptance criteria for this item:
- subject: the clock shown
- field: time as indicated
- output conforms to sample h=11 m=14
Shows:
h=9 m=50
